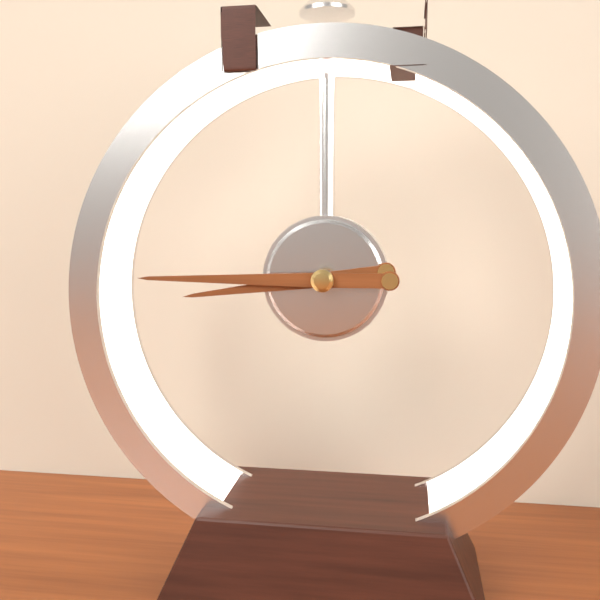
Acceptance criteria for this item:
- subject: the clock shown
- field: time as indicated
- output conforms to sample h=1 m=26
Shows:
h=8 m=45
